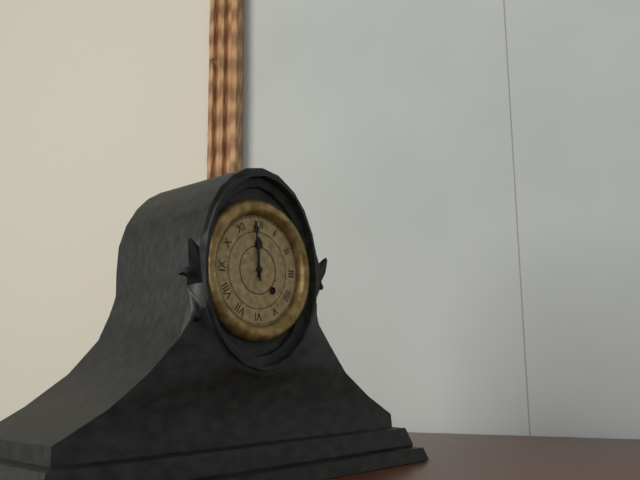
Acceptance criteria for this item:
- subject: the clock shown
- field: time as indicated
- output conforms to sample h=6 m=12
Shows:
h=11 m=59
